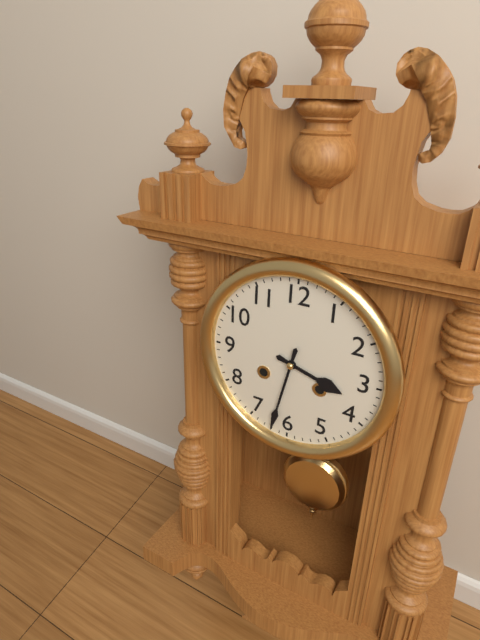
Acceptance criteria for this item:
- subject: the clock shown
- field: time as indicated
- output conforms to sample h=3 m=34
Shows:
h=3 m=32
